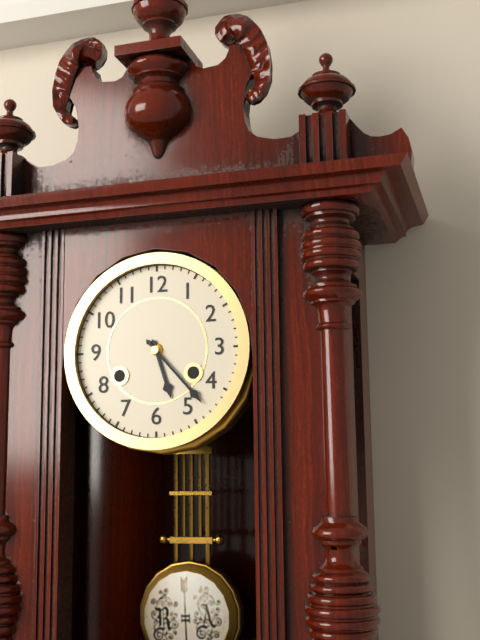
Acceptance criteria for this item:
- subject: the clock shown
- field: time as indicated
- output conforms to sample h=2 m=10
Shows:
h=5 m=23
